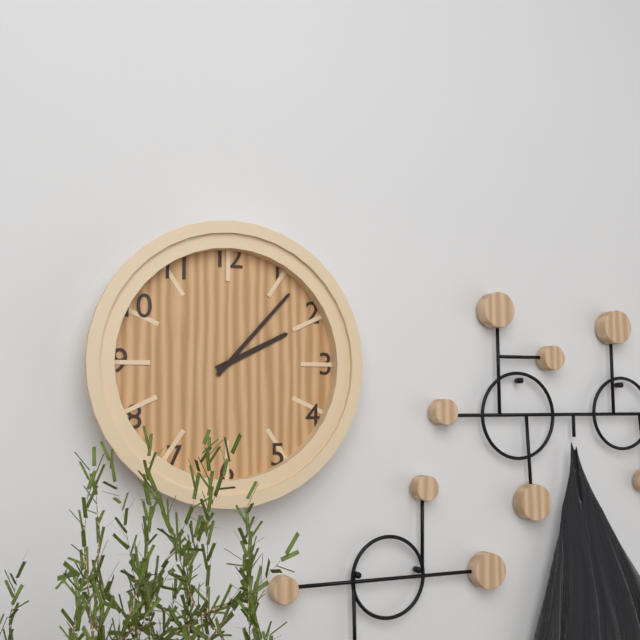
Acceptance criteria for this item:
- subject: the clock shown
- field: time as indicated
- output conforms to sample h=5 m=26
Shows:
h=2 m=7
